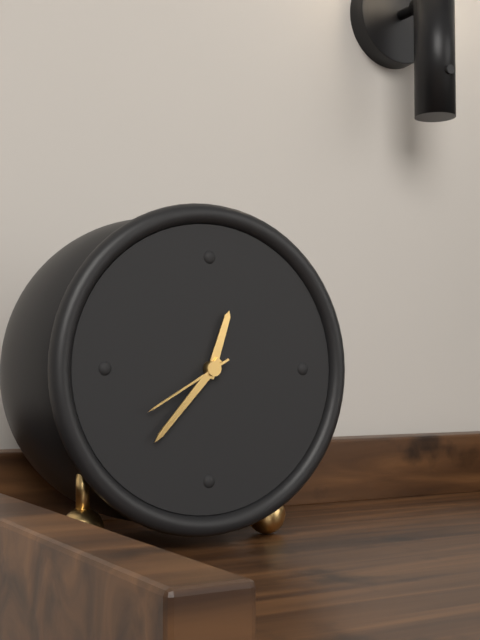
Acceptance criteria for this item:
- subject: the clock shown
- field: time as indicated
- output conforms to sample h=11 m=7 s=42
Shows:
h=12 m=37 s=40
